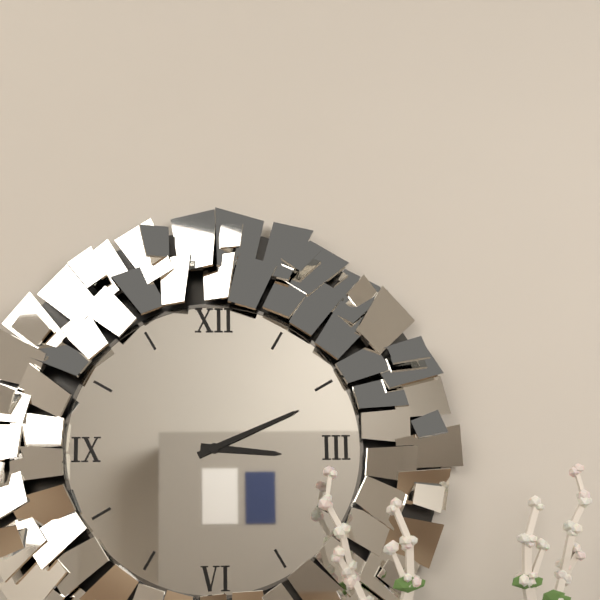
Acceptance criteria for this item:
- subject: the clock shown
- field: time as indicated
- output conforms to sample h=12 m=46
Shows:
h=3 m=11
